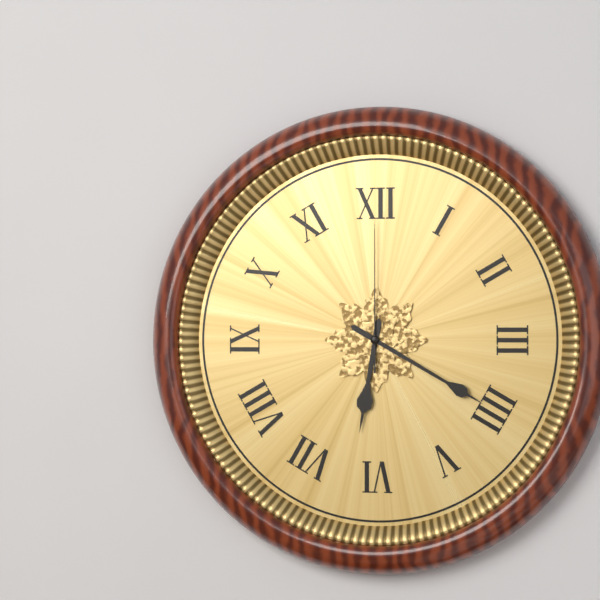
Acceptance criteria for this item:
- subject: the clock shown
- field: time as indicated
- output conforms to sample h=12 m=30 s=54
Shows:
h=6 m=20 s=0
